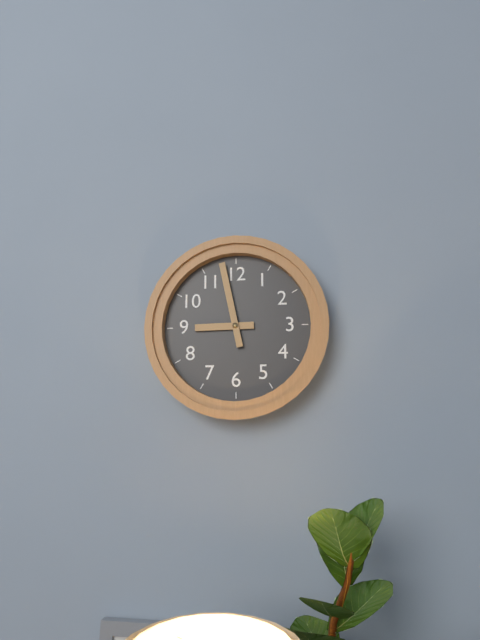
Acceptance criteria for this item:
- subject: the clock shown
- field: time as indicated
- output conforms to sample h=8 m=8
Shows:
h=8 m=58
